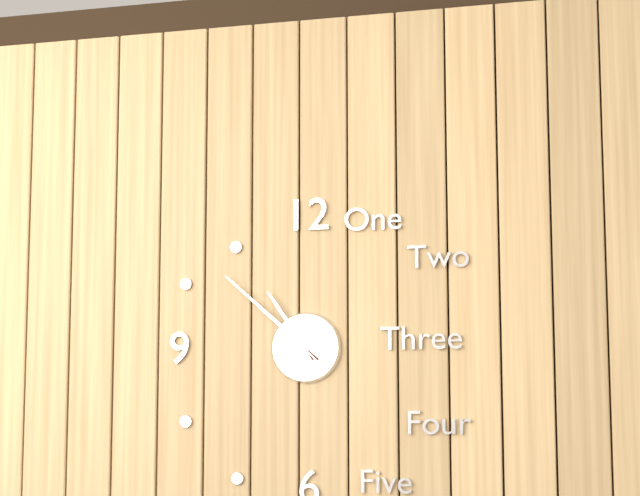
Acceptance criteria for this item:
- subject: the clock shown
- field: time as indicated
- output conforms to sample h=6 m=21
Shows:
h=10 m=52
